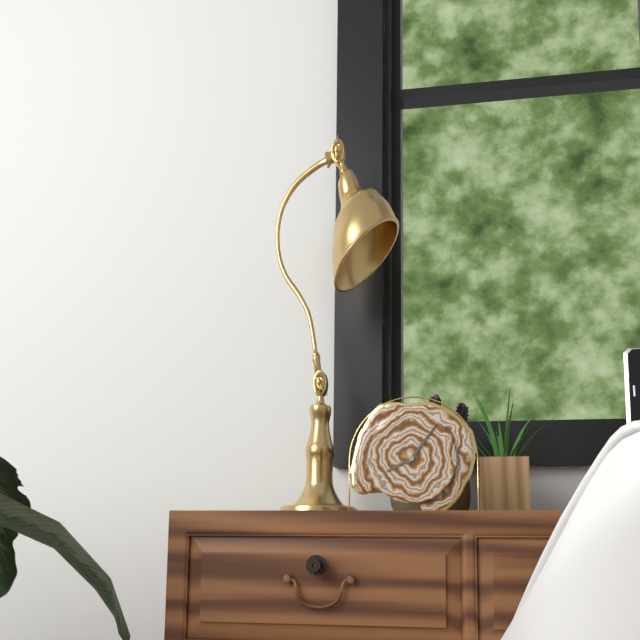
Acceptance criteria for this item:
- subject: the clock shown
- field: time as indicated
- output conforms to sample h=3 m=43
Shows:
h=8 m=6
